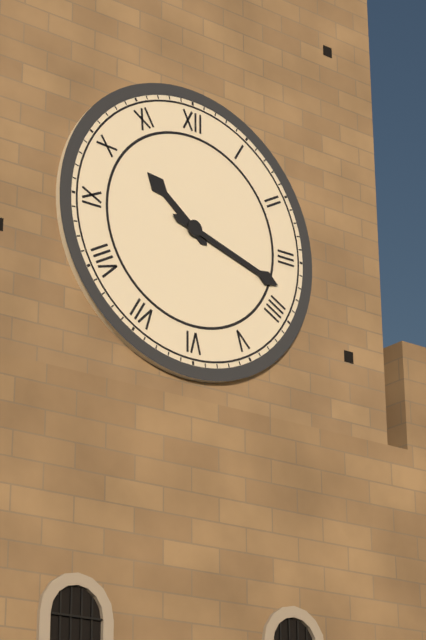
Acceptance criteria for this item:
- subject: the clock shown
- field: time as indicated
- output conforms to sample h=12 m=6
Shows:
h=10 m=18
